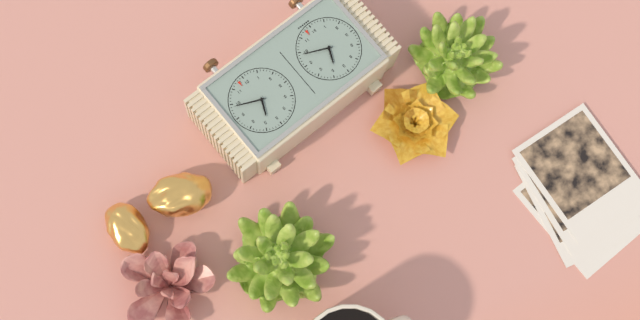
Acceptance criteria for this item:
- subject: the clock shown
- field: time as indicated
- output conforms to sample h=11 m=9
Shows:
h=6 m=49
